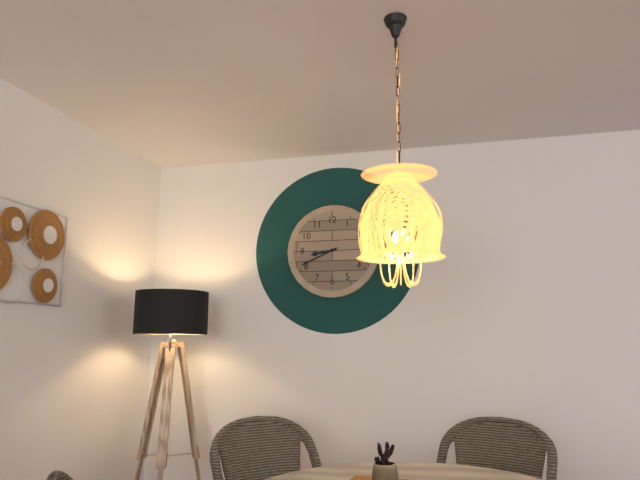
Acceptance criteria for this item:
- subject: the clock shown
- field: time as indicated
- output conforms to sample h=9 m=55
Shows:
h=8 m=41
